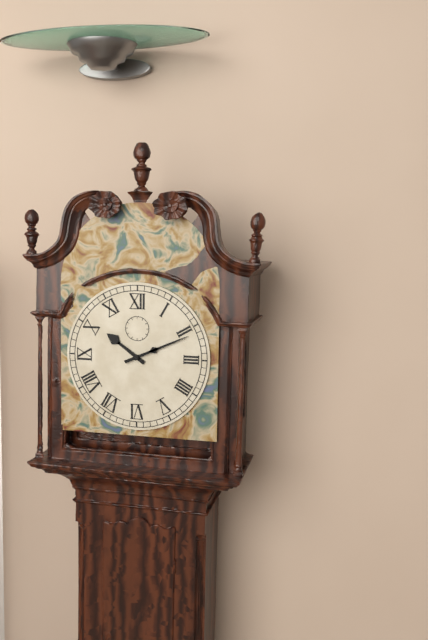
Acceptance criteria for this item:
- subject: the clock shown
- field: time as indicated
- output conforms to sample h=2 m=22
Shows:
h=10 m=11
